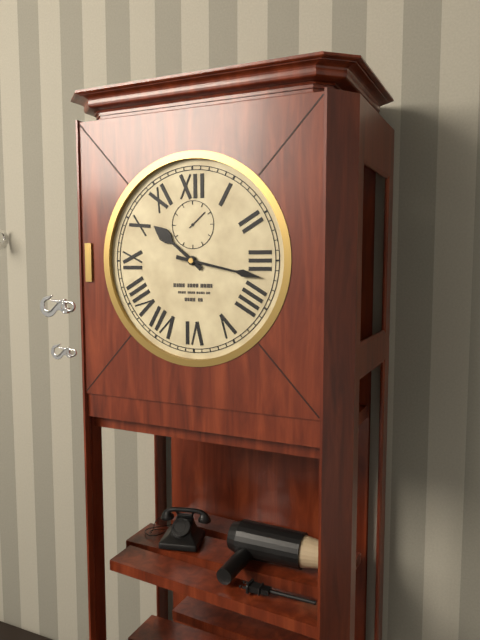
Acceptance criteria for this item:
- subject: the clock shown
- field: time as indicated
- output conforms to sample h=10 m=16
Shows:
h=10 m=17
